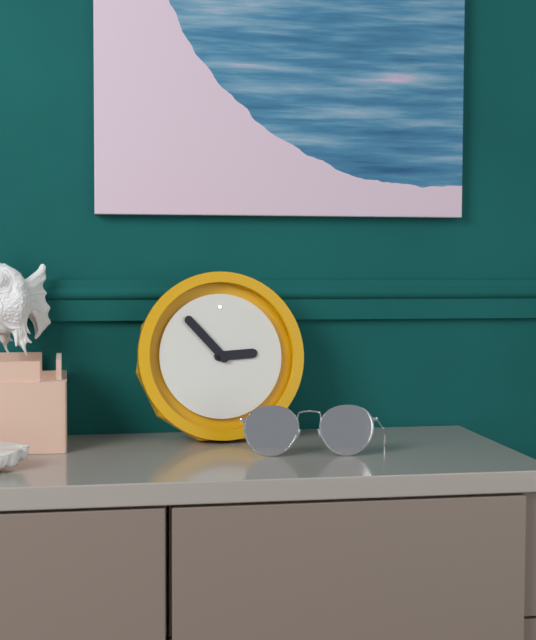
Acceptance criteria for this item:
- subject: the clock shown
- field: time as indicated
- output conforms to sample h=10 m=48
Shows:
h=2 m=53
